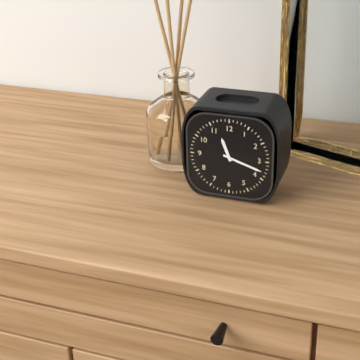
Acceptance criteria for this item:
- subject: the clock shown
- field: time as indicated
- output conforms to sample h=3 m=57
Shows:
h=11 m=18
